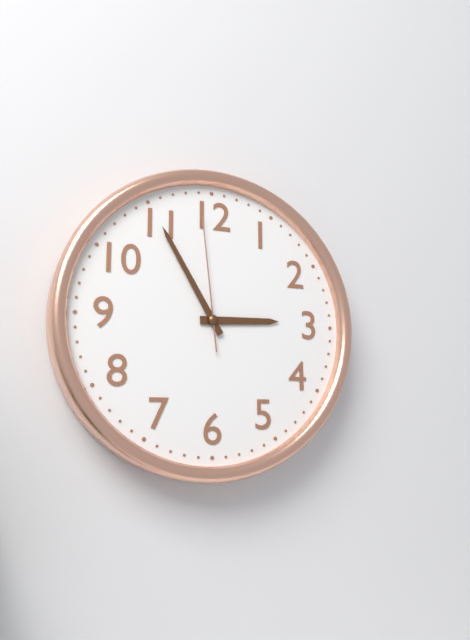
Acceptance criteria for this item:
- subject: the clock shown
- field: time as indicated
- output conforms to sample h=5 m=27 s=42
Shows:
h=2 m=55 s=59
